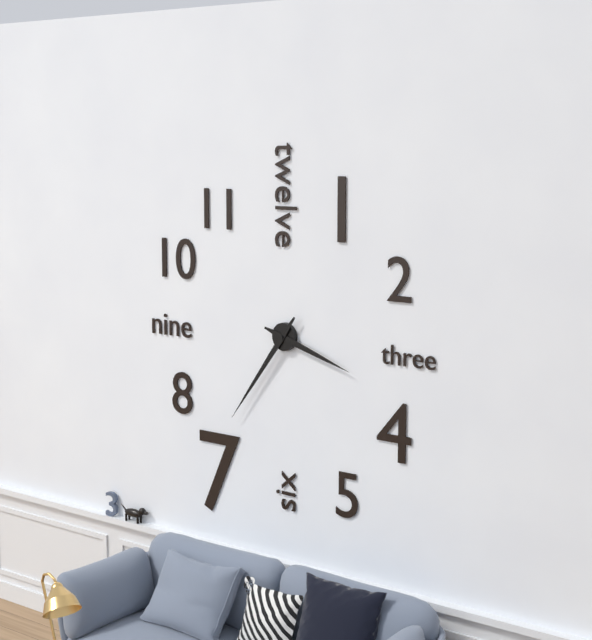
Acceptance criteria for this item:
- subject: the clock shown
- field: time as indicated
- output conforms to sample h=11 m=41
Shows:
h=3 m=36
